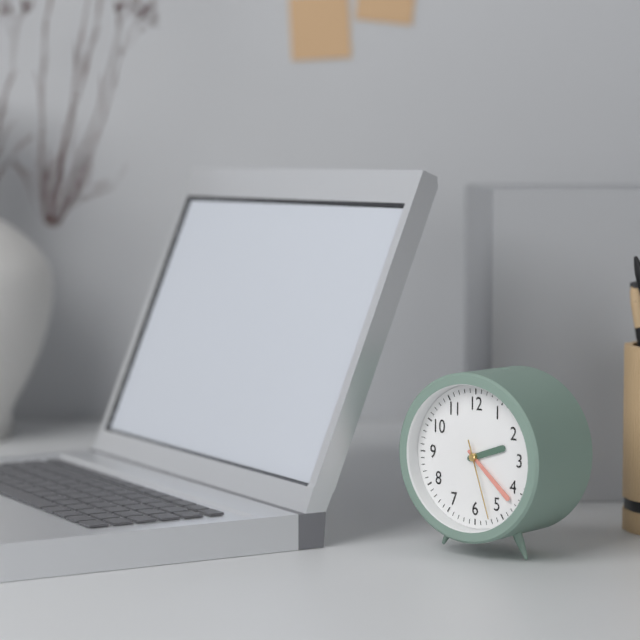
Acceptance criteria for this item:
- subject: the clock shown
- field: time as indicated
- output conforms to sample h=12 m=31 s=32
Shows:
h=2 m=22 s=27
